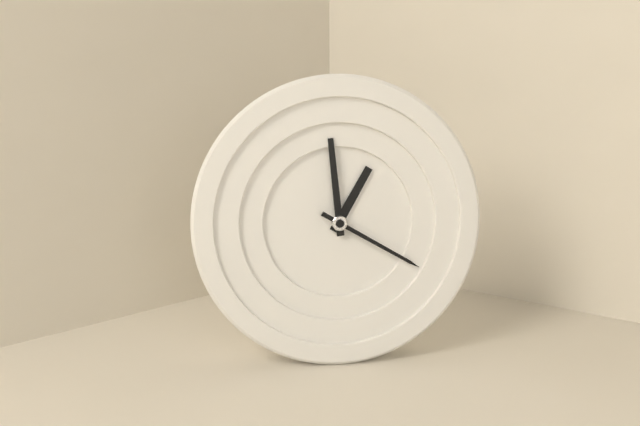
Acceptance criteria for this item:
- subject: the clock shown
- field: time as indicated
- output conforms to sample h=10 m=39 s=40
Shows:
h=12 m=59 s=20
